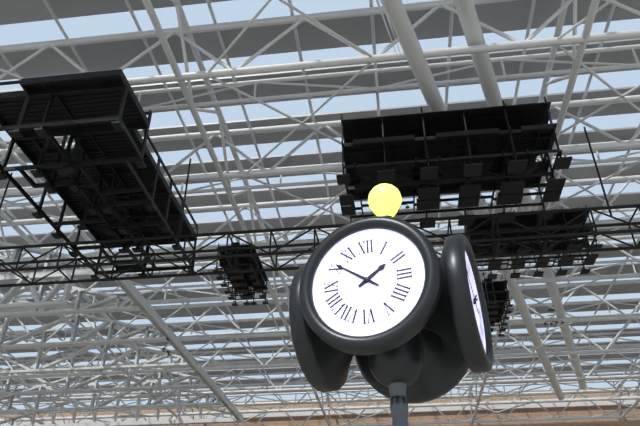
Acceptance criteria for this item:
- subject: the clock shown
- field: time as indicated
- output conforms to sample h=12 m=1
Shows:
h=1 m=51
